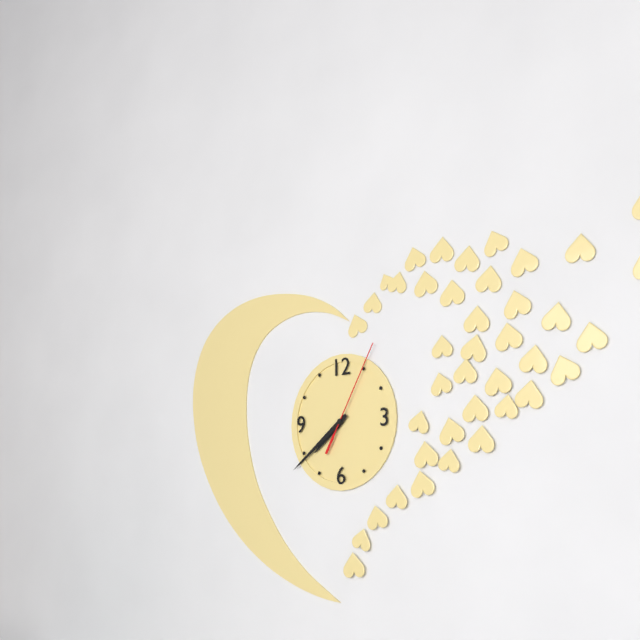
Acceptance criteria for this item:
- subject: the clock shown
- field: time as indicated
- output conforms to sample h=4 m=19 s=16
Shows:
h=7 m=39 s=5
